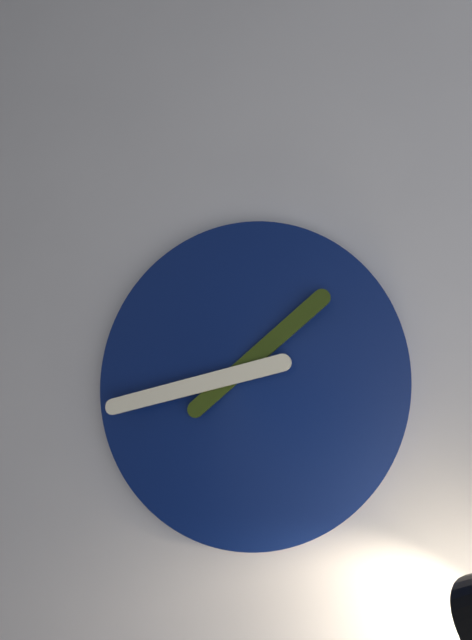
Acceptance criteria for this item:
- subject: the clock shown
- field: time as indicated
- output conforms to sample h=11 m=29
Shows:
h=1 m=43
